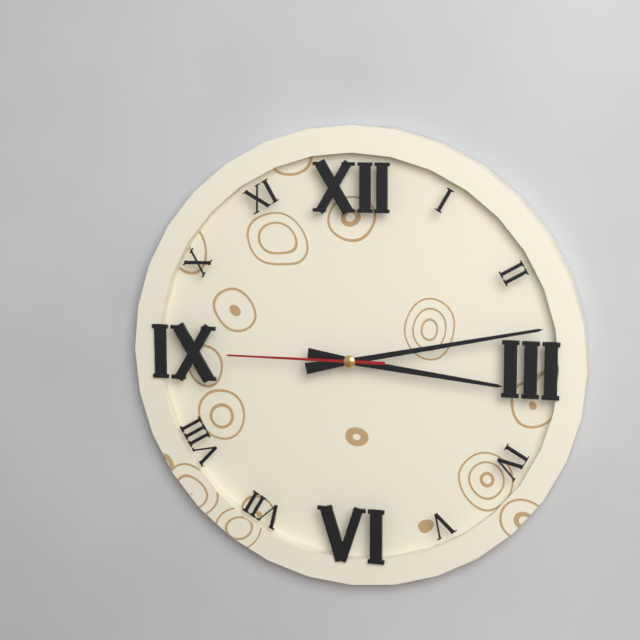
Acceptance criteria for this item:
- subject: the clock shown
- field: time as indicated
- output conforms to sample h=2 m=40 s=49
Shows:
h=3 m=13 s=45
